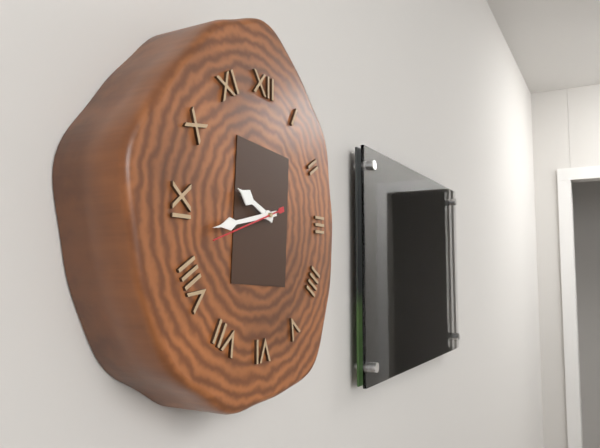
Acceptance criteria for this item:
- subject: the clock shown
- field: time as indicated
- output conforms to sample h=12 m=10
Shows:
h=9 m=43
